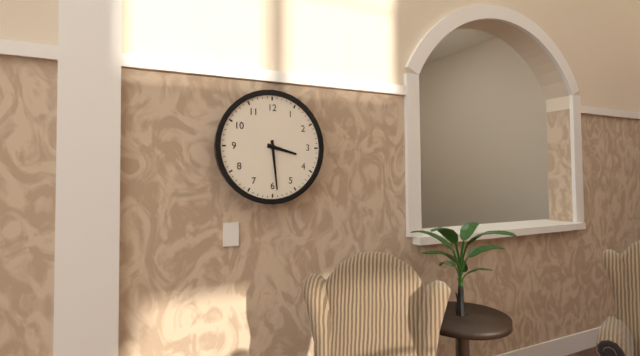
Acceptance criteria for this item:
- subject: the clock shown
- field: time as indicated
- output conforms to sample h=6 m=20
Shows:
h=3 m=29
